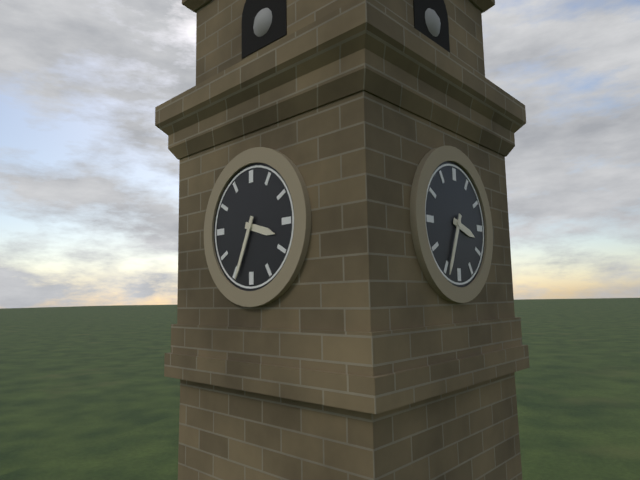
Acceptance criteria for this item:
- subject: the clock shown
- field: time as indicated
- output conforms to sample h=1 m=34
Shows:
h=3 m=34
